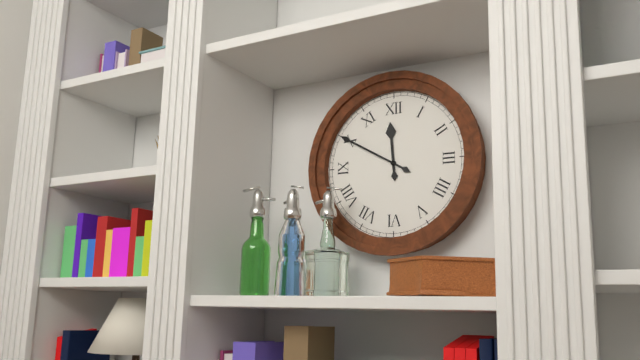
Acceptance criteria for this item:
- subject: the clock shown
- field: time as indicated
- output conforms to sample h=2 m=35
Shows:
h=11 m=50
